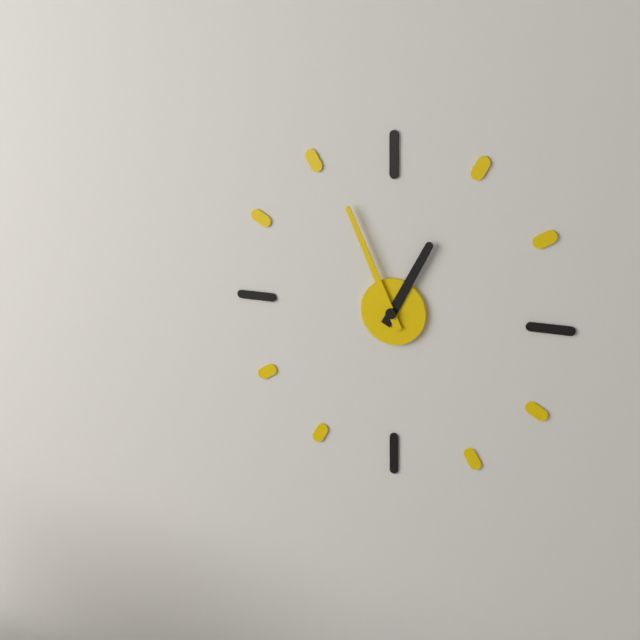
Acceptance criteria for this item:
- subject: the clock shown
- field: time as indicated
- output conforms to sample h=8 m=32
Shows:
h=12 m=56
